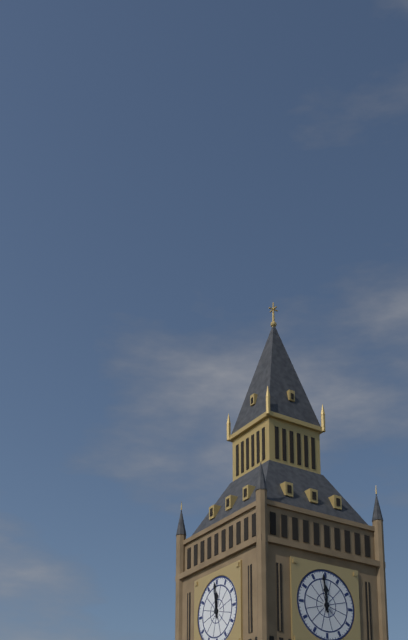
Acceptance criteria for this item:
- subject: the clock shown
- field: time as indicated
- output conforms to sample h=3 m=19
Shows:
h=11 m=59
